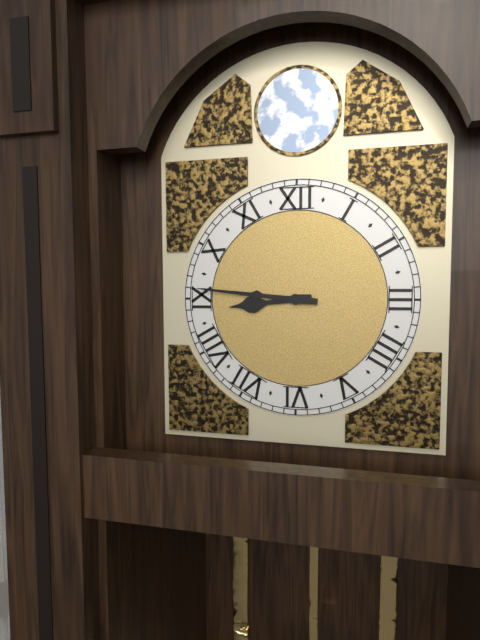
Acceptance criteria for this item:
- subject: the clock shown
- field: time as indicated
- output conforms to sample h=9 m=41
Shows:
h=8 m=46
